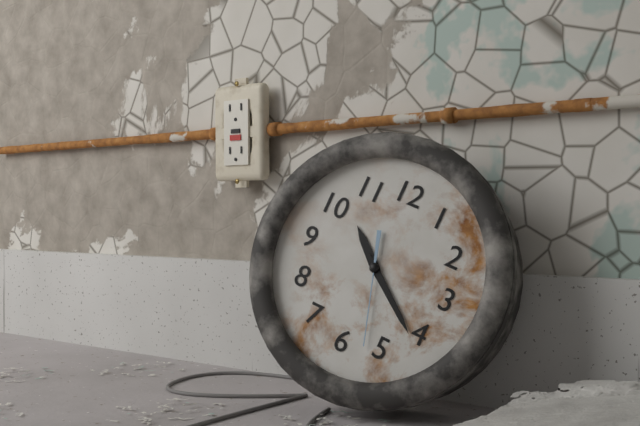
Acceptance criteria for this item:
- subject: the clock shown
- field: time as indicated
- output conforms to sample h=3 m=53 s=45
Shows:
h=10 m=21 s=27
